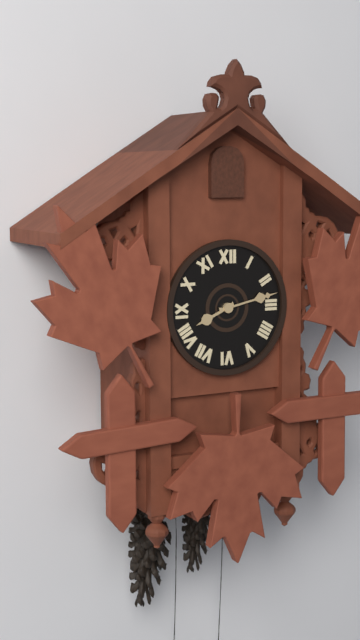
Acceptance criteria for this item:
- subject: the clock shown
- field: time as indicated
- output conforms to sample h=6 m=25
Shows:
h=8 m=13
